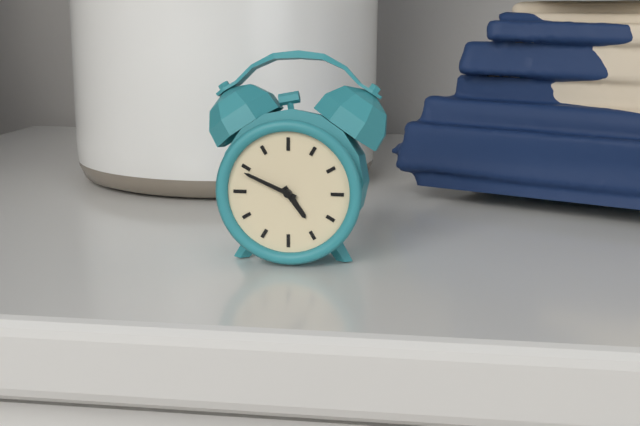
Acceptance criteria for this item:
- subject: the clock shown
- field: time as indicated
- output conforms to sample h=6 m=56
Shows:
h=4 m=49
